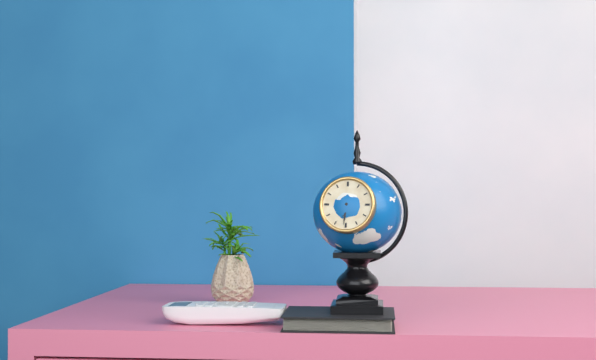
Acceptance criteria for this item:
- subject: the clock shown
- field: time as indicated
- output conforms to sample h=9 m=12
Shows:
h=6 m=31
